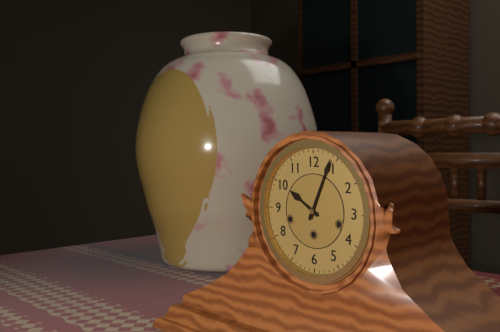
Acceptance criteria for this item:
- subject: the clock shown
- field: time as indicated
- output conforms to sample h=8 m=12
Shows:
h=10 m=4
